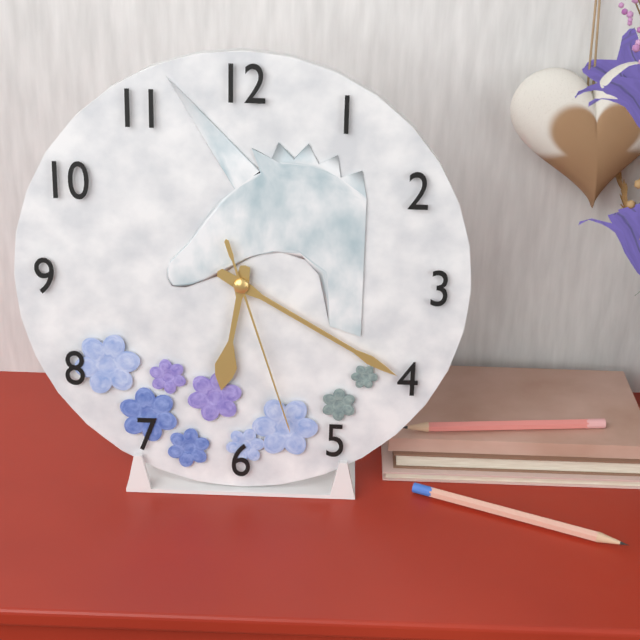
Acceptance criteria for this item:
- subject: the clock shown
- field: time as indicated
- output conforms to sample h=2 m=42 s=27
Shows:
h=6 m=20 s=27
